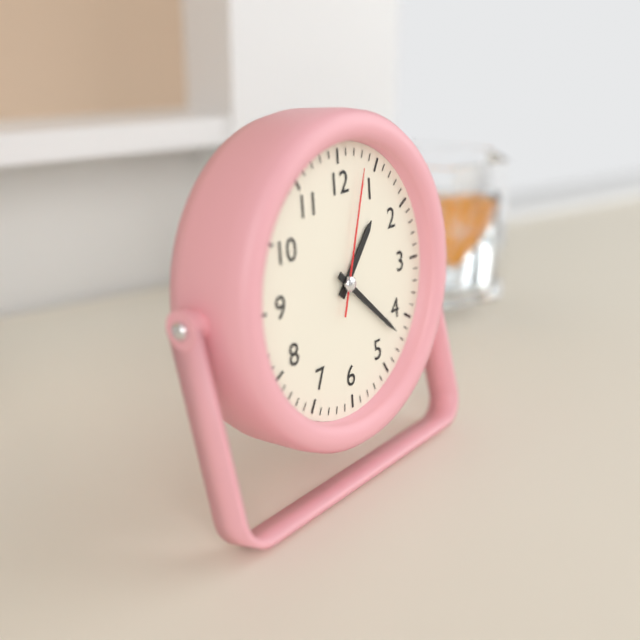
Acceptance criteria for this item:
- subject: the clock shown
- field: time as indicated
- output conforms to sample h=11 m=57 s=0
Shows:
h=1 m=22 s=3
